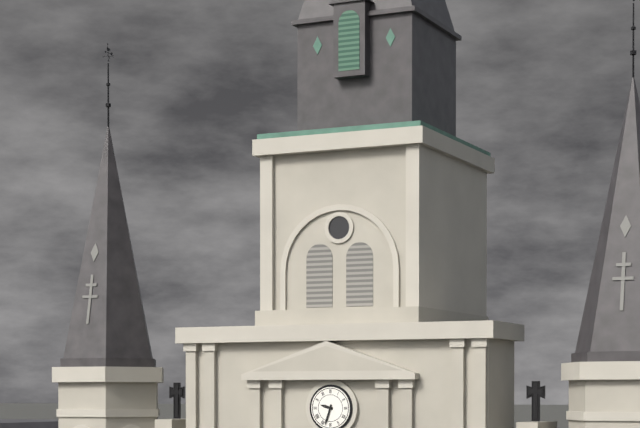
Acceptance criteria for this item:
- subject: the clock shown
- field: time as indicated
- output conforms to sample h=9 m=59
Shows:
h=9 m=33
